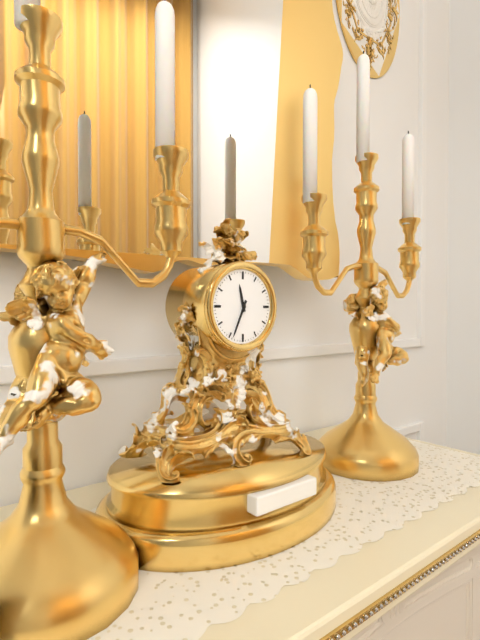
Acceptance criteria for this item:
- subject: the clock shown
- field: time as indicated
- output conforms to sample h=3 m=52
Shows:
h=11 m=34
